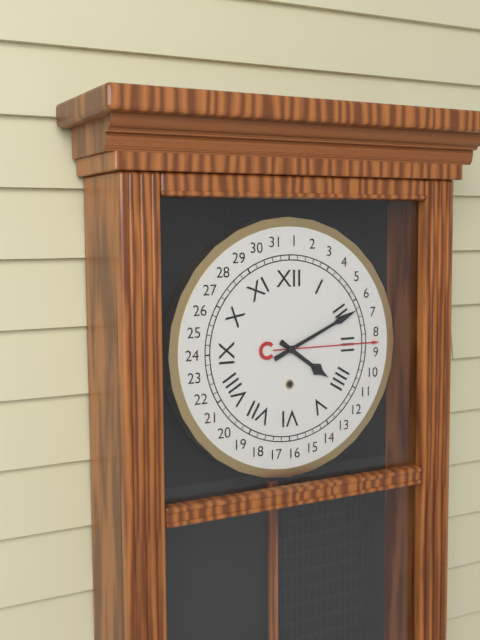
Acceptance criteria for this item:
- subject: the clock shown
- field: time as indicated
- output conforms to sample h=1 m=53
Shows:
h=4 m=11
